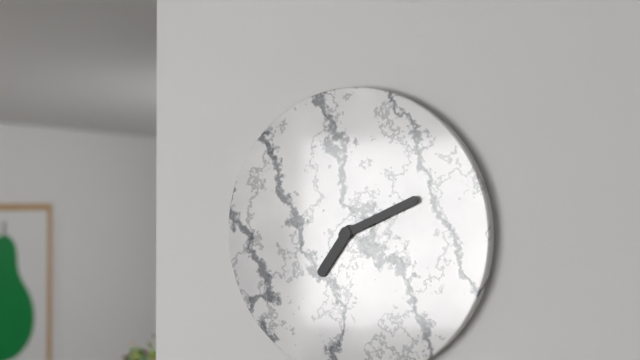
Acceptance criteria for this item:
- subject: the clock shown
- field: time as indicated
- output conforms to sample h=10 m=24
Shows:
h=7 m=11
